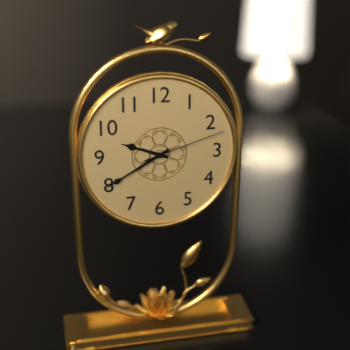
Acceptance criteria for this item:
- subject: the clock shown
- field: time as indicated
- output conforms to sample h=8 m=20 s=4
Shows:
h=9 m=40 s=12
